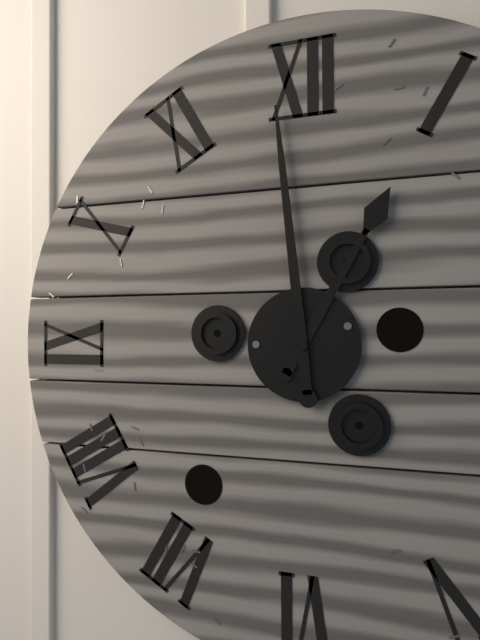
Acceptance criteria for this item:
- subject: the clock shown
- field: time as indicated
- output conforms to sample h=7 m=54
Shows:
h=12 m=59
